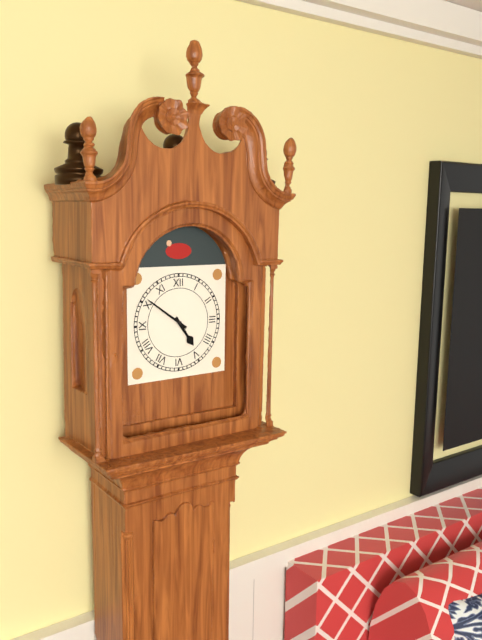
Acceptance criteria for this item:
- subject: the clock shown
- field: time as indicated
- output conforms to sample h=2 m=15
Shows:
h=4 m=51
